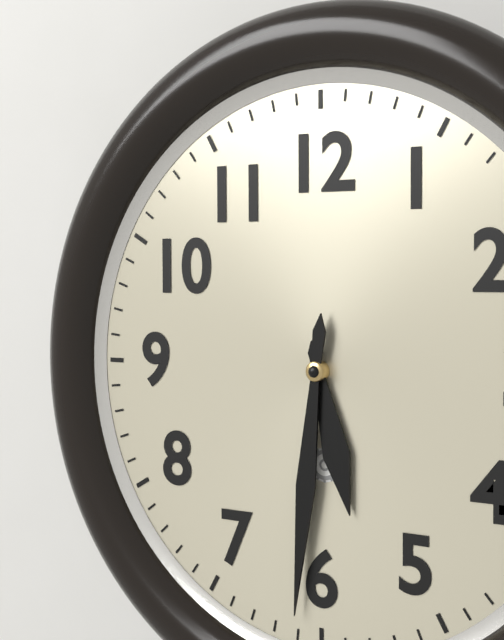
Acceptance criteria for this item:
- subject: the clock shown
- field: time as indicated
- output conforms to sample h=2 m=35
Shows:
h=5 m=31
